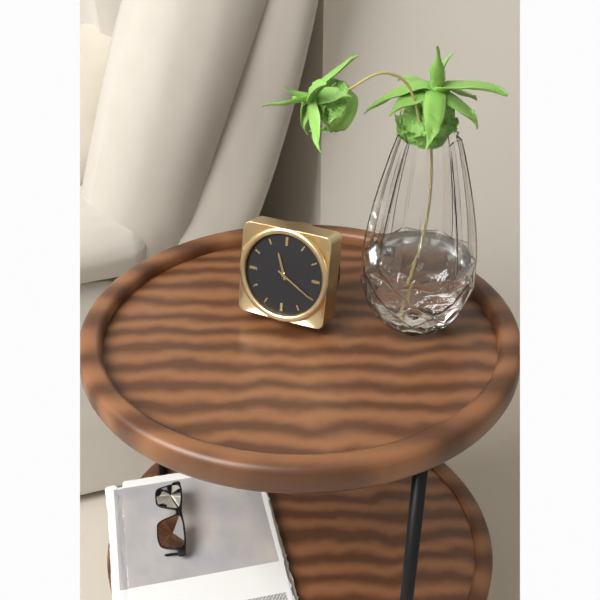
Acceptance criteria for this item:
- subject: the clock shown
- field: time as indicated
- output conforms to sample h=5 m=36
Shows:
h=11 m=20
